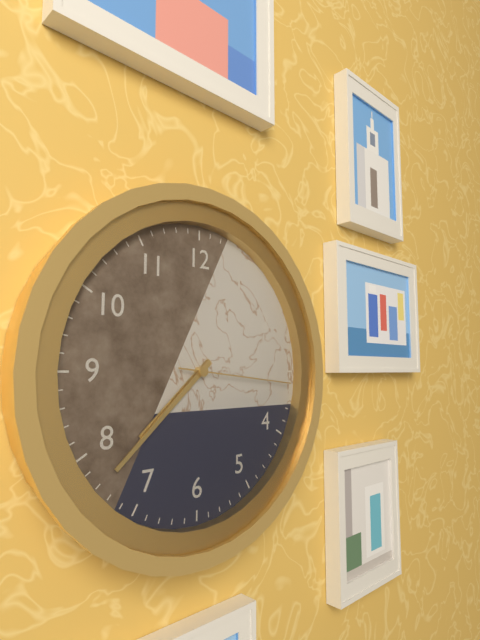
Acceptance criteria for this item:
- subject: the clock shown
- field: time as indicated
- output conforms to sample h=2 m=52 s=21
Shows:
h=7 m=38 s=16
